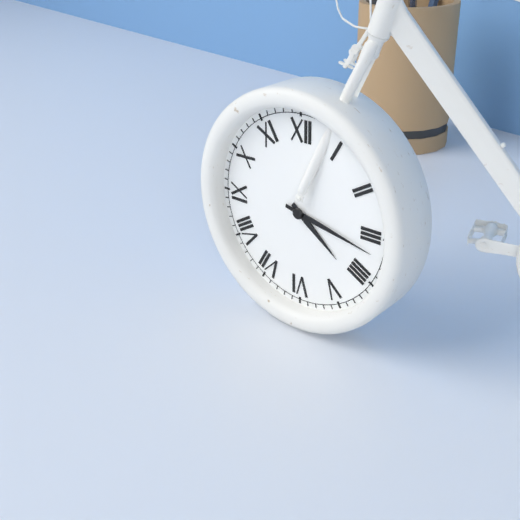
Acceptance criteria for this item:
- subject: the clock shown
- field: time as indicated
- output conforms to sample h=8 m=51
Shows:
h=4 m=17
